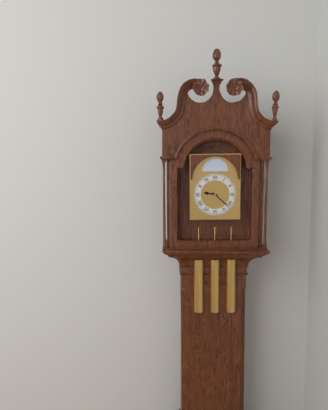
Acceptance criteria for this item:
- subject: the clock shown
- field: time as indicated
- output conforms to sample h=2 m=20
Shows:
h=9 m=22
